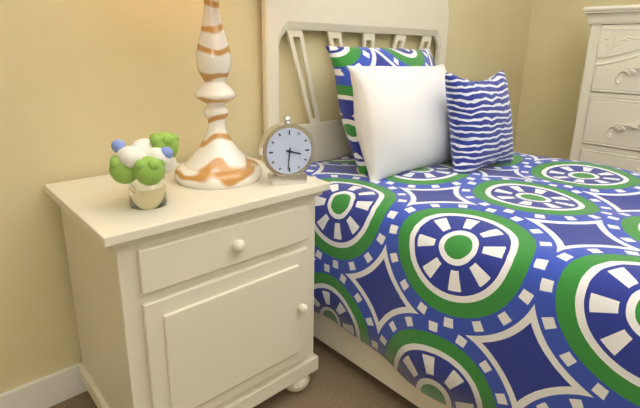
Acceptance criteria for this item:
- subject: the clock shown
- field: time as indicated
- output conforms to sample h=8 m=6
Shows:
h=3 m=31
